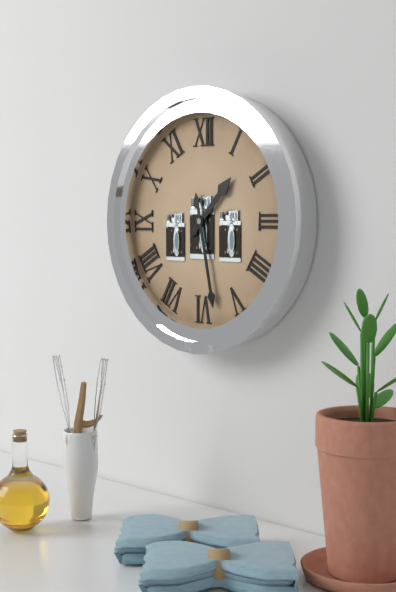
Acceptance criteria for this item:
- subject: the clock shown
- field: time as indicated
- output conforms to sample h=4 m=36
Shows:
h=1 m=28
